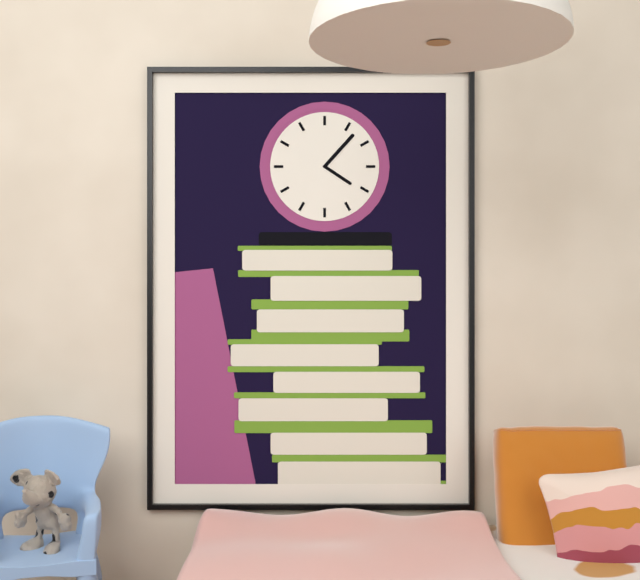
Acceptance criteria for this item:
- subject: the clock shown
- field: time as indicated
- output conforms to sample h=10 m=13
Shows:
h=4 m=7
